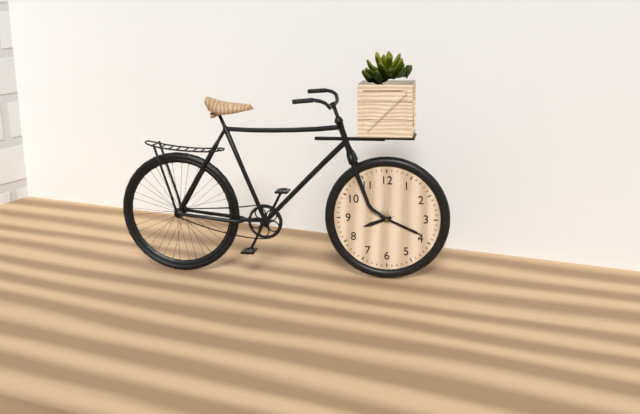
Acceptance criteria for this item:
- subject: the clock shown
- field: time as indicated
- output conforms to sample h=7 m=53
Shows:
h=8 m=19
